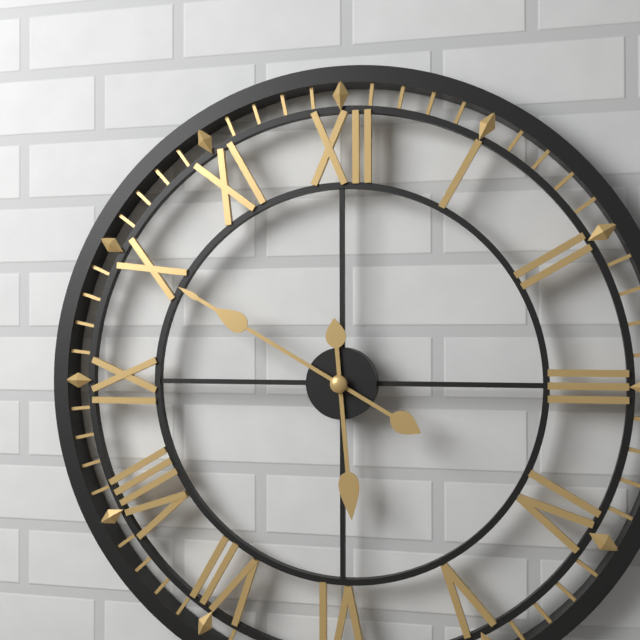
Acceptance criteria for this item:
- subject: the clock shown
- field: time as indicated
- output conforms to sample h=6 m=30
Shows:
h=5 m=50
